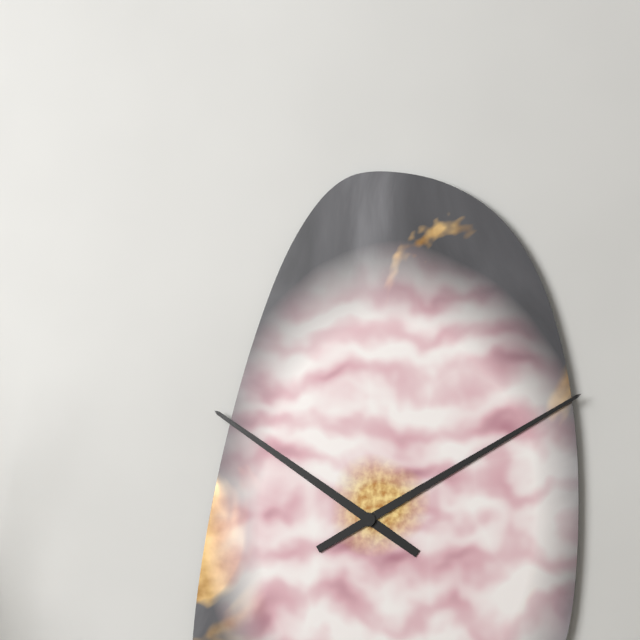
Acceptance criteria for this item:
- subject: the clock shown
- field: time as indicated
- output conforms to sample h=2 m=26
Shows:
h=10 m=10
